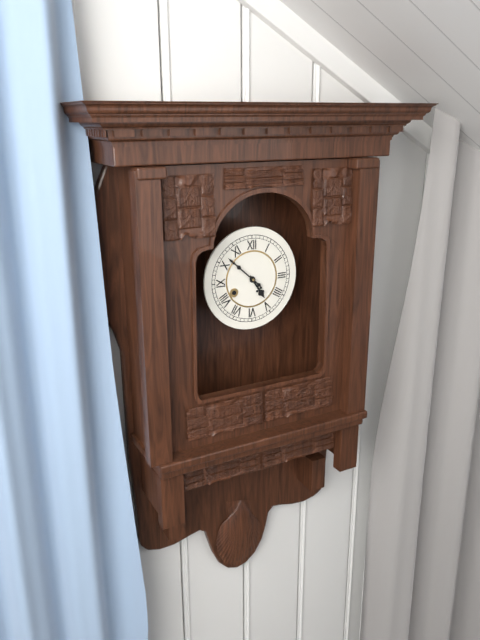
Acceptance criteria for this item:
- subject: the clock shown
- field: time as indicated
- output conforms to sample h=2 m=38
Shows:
h=4 m=52
